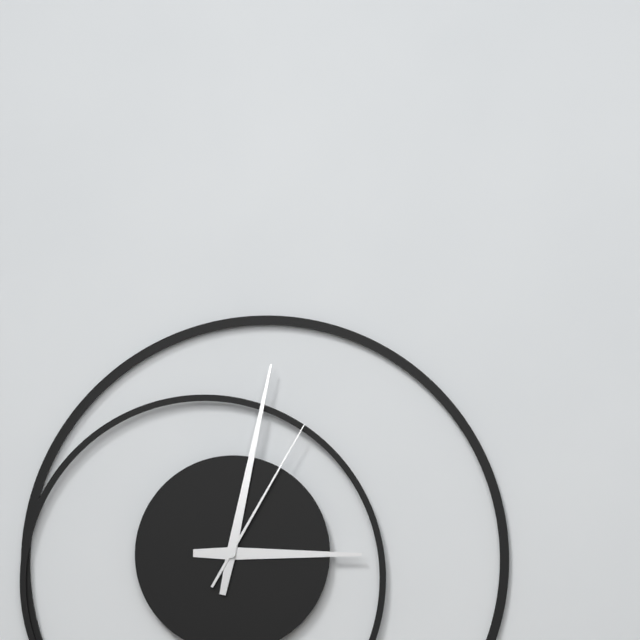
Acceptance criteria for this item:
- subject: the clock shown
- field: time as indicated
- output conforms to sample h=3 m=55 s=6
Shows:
h=3 m=2 s=5
